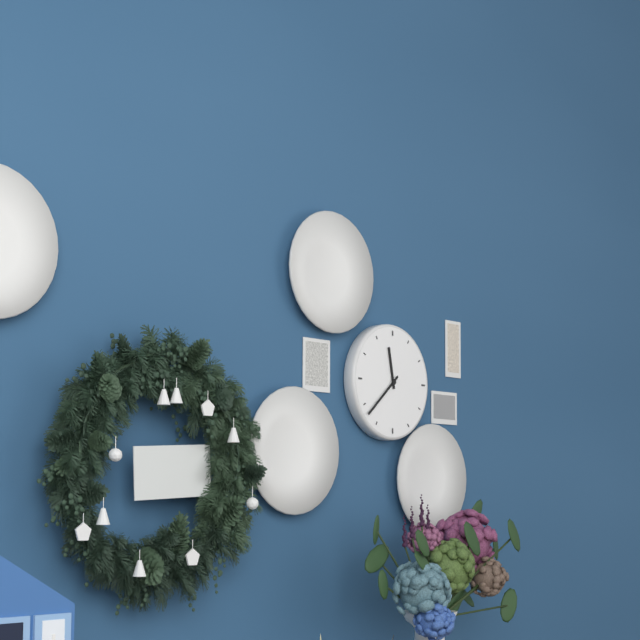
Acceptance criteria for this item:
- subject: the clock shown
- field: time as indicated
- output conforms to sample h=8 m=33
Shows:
h=11 m=38
